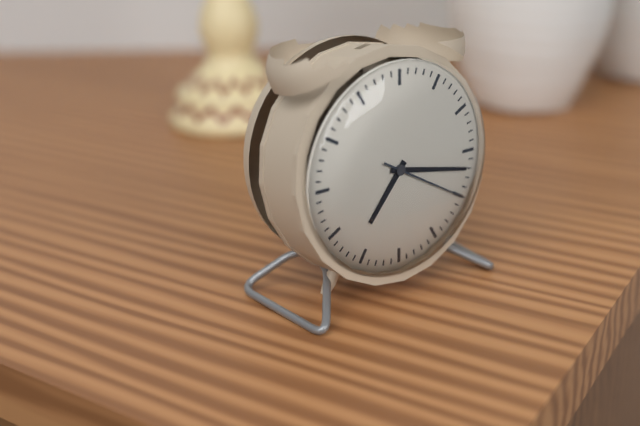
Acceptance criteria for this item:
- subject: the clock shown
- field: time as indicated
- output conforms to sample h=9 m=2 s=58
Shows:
h=7 m=17 s=20
